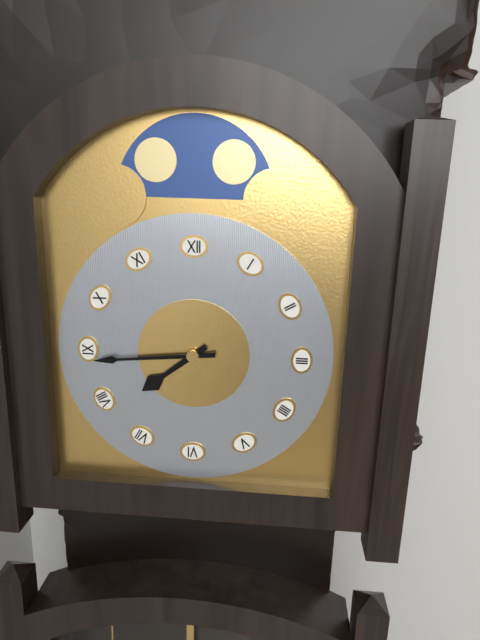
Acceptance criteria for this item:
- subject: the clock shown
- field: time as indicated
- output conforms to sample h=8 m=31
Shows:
h=7 m=44
